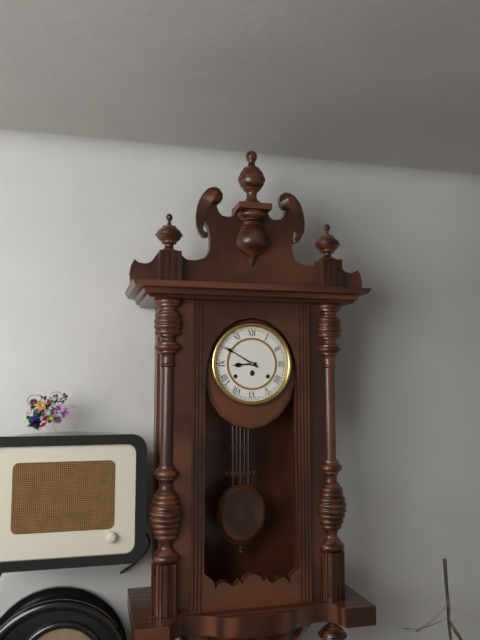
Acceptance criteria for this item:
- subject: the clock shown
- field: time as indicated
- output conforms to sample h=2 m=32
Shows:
h=8 m=50
